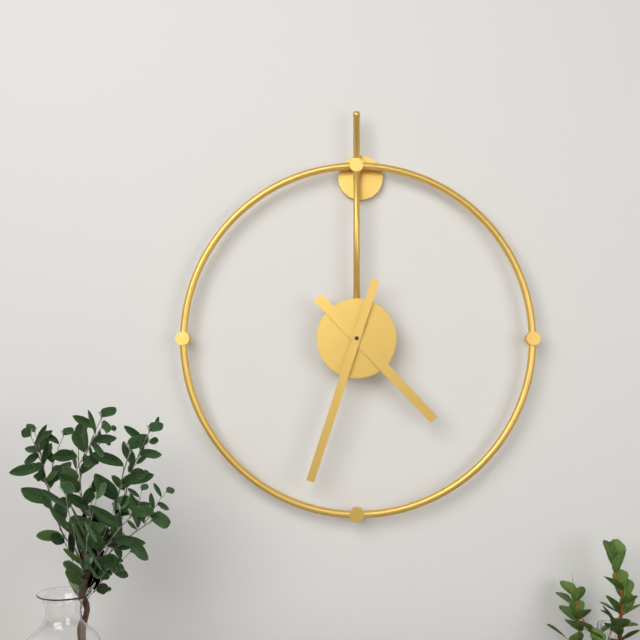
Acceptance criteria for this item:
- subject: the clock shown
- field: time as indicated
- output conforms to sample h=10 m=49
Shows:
h=4 m=33
